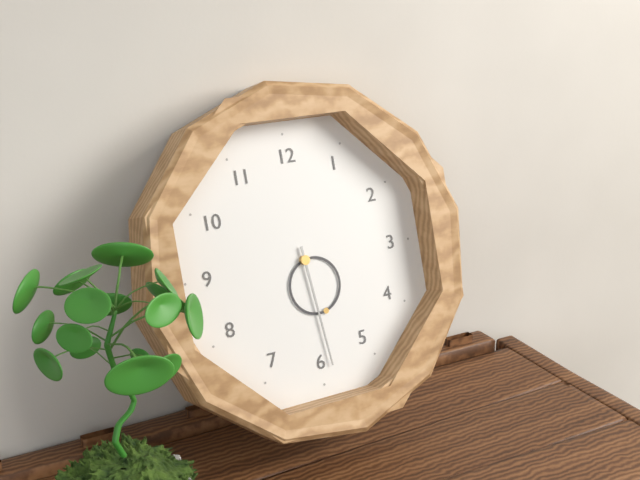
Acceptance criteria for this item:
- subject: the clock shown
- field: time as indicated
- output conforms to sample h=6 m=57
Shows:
h=5 m=29
